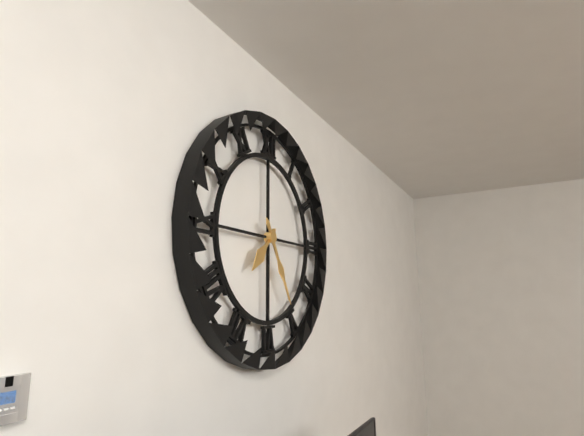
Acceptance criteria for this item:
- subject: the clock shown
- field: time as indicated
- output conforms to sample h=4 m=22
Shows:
h=7 m=25
